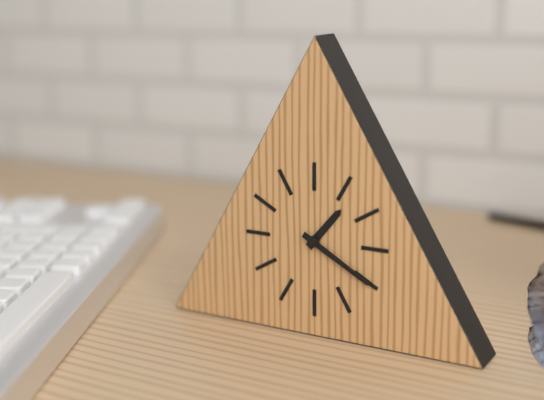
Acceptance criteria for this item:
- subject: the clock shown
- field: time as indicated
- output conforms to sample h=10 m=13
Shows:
h=1 m=20
